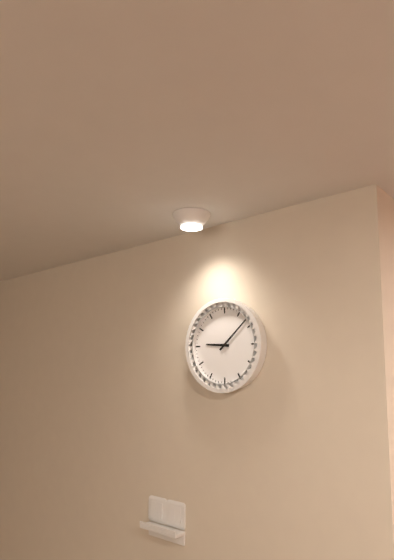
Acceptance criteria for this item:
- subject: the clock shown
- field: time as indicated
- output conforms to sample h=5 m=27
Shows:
h=9 m=8
